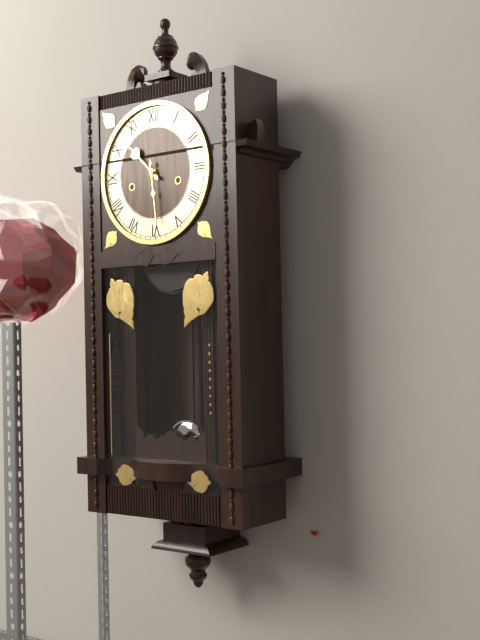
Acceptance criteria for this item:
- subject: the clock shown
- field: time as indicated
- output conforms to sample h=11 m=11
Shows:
h=10 m=29
